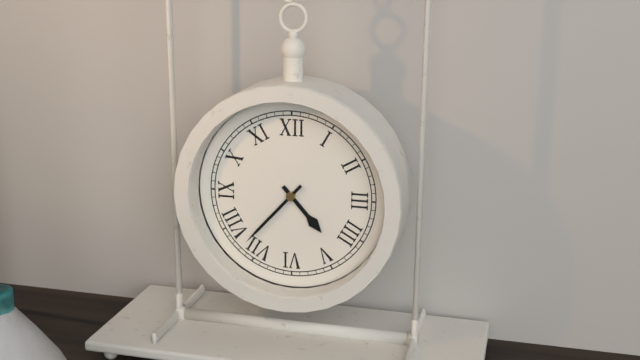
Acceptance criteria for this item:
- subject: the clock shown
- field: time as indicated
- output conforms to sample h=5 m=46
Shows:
h=4 m=37
